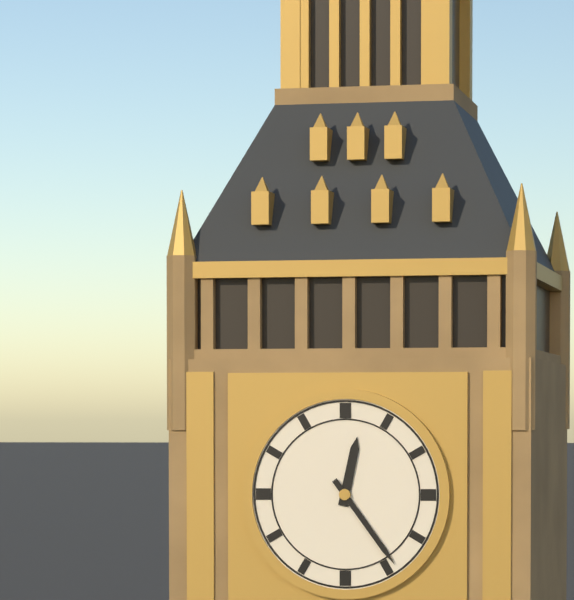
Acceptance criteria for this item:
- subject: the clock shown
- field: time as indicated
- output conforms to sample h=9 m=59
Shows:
h=12 m=24
